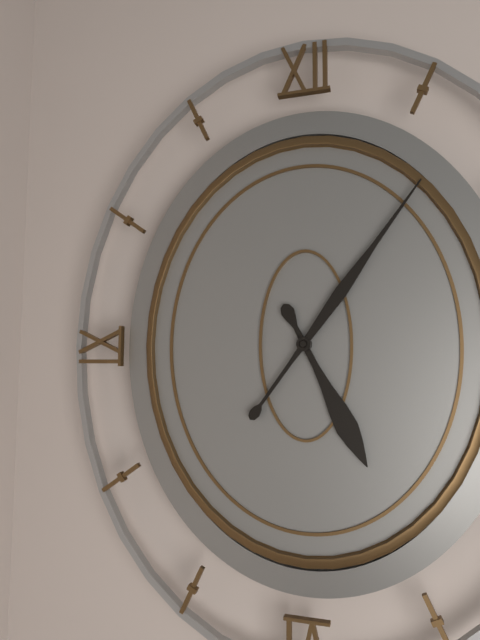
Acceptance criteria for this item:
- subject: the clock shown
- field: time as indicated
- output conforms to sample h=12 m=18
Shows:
h=5 m=6
